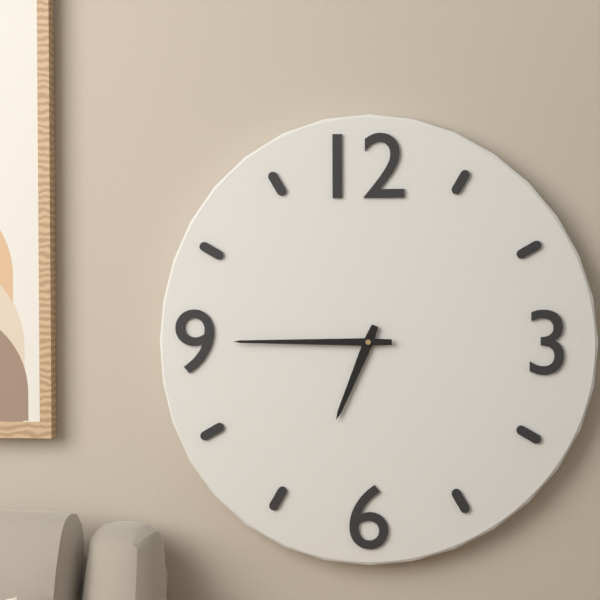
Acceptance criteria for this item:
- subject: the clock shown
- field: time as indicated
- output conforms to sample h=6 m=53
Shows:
h=6 m=45
